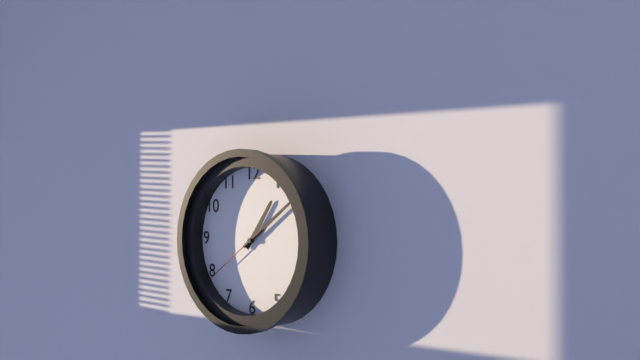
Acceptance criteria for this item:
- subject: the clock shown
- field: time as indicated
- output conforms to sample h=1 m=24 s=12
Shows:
h=1 m=9 s=39
